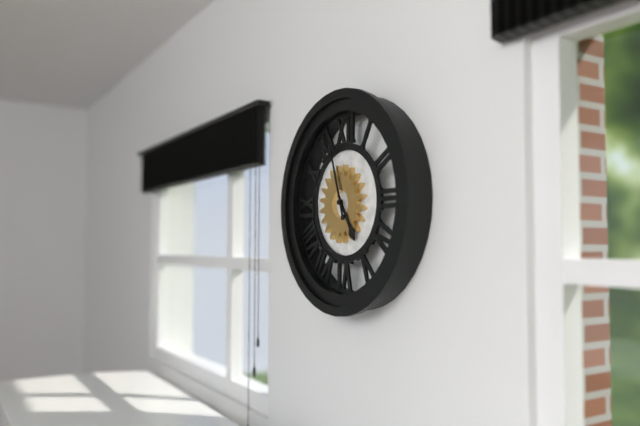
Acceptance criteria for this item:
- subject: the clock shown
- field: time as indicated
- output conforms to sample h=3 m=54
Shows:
h=4 m=57
